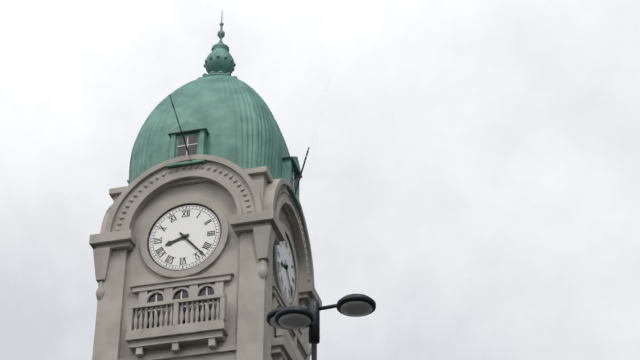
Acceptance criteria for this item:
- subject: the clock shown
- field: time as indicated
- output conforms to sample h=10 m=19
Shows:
h=8 m=23
